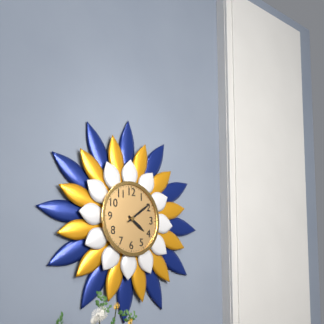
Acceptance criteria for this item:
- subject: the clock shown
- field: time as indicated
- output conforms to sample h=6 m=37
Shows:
h=4 m=9
